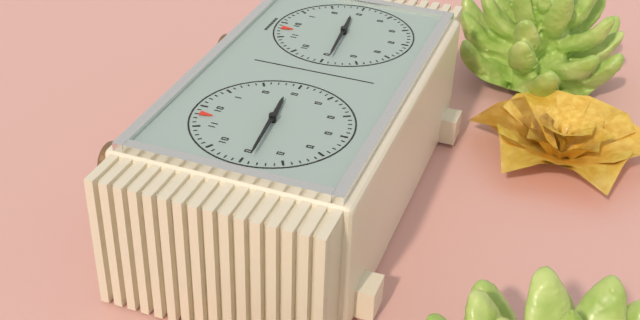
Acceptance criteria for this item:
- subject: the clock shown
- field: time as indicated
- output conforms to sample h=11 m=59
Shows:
h=2 m=44
